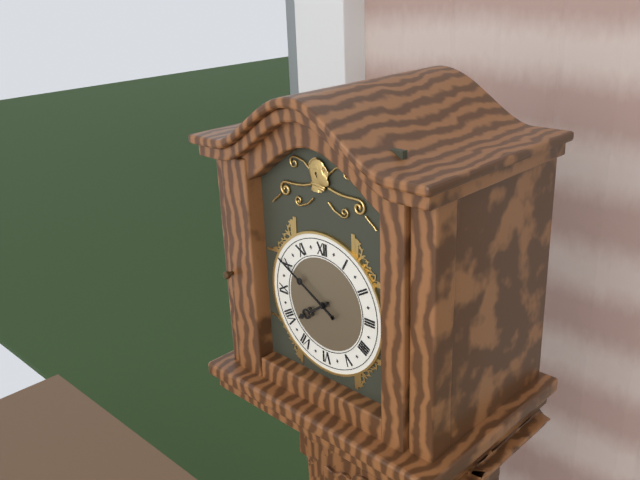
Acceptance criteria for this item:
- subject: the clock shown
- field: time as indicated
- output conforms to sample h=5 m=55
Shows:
h=7 m=50
